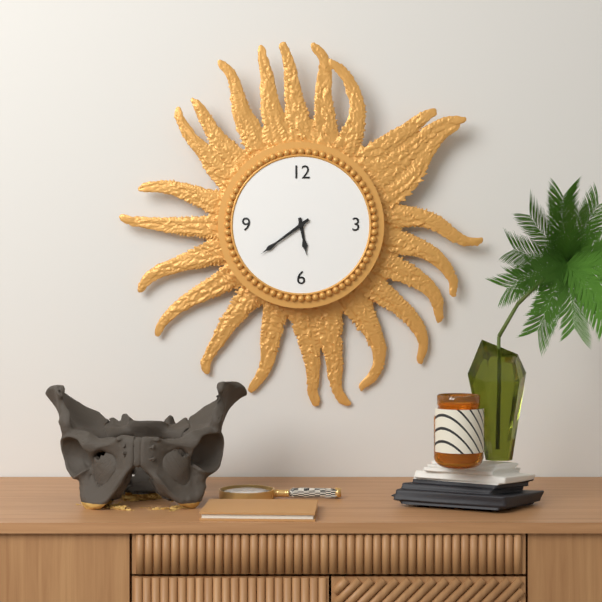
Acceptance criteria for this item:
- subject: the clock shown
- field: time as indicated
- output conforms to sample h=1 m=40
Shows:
h=5 m=39
